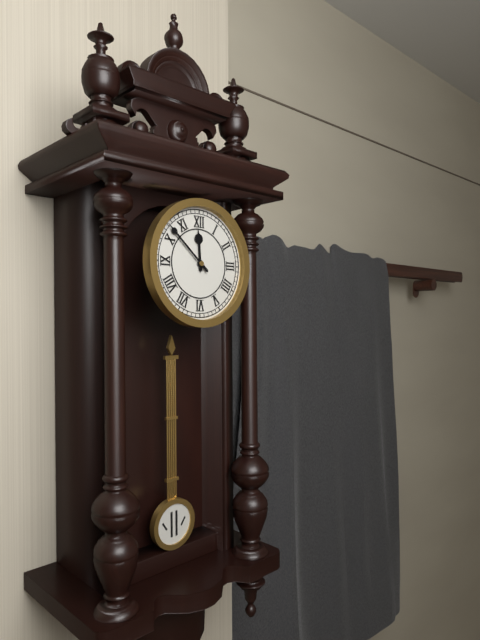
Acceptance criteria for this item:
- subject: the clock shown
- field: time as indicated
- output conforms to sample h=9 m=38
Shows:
h=11 m=52
